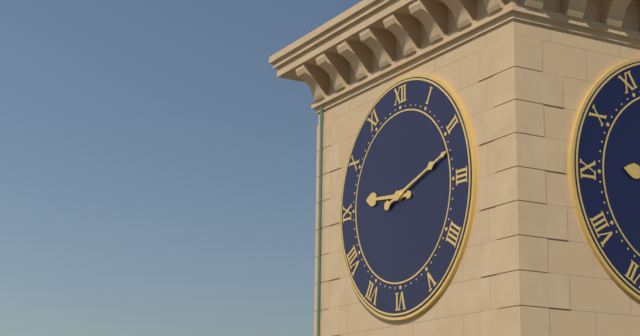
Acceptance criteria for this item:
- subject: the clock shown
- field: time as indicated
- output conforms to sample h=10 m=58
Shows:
h=9 m=12
